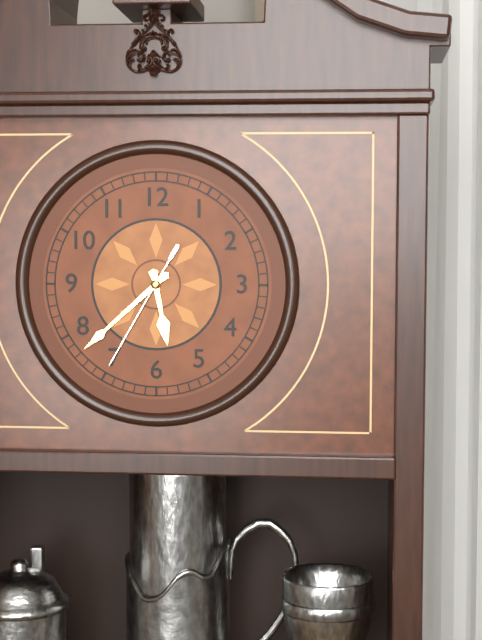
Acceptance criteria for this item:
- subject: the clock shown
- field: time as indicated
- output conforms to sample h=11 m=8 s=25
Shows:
h=5 m=38 s=35
